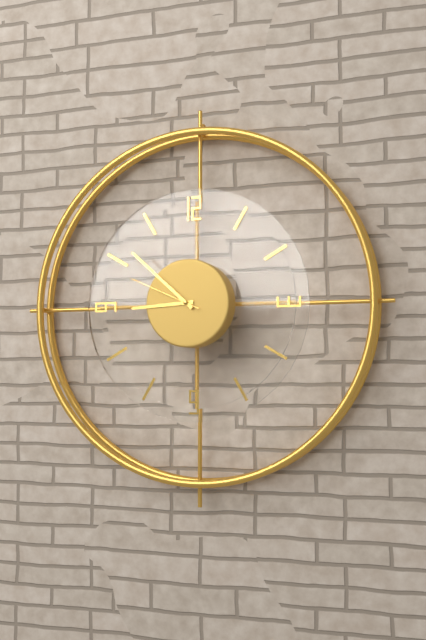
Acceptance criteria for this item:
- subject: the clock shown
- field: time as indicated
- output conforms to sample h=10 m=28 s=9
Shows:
h=8 m=52 s=49
